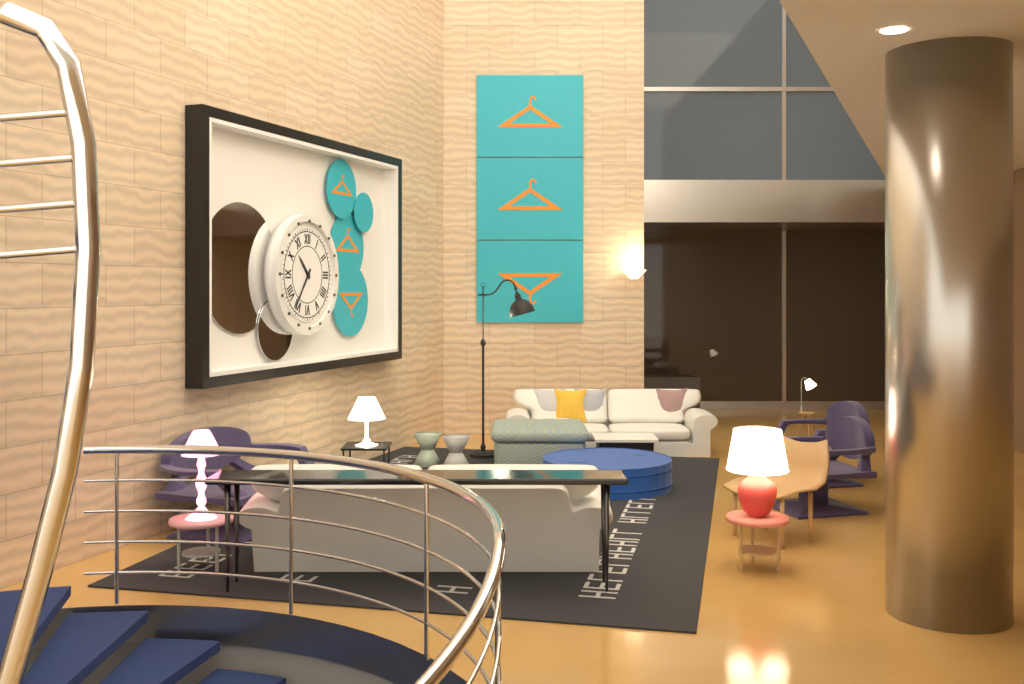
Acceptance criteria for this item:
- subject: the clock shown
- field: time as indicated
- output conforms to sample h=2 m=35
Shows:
h=10 m=36
